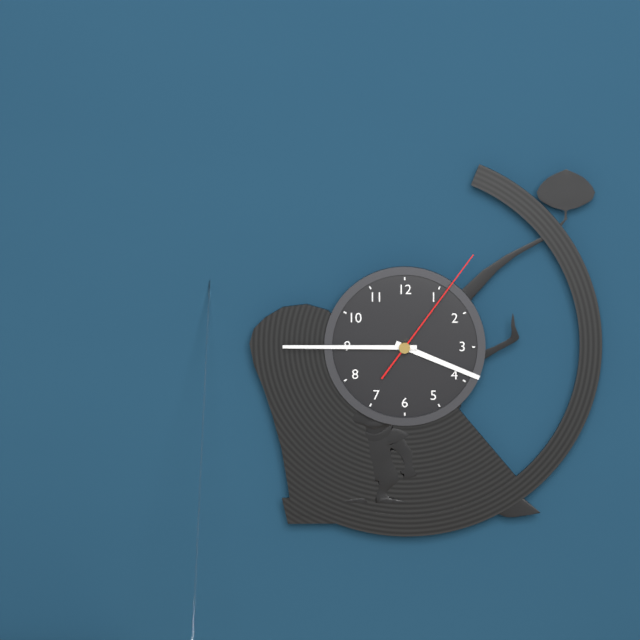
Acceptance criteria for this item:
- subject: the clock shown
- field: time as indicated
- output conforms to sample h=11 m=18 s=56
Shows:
h=3 m=45 s=6
